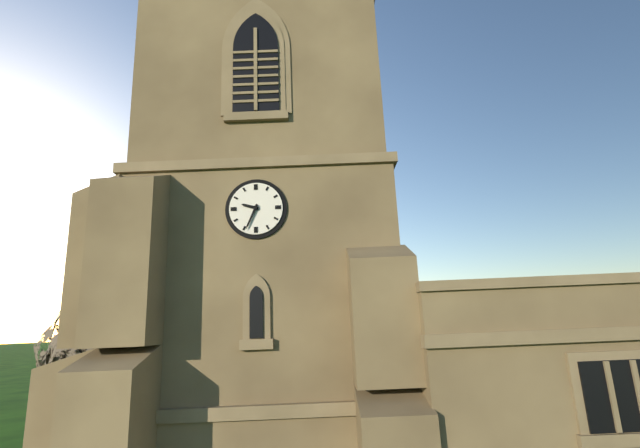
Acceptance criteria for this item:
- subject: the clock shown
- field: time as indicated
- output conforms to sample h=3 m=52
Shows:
h=9 m=34
